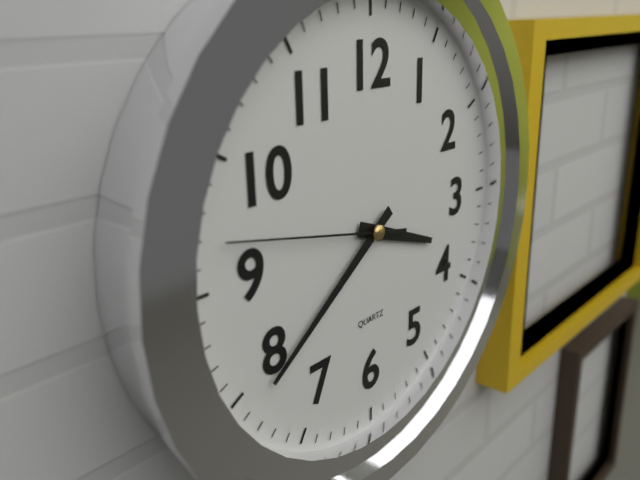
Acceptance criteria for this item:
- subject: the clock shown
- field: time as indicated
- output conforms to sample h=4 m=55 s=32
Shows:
h=3 m=39 s=47
